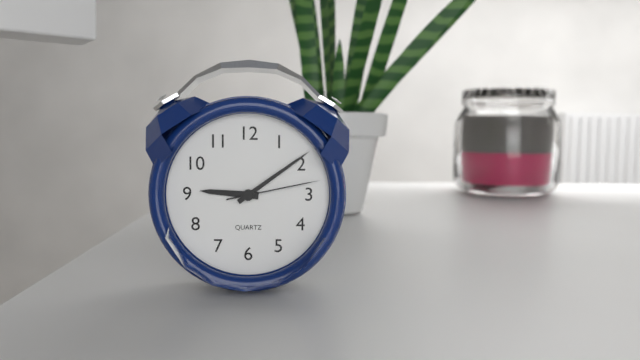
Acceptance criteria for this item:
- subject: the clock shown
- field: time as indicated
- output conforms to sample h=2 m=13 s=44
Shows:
h=9 m=9 s=13
